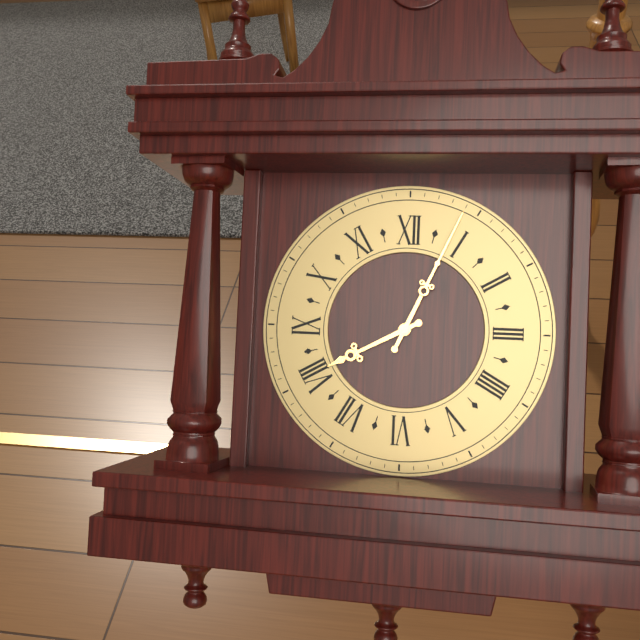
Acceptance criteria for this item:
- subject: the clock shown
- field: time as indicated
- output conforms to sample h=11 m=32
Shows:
h=8 m=4
